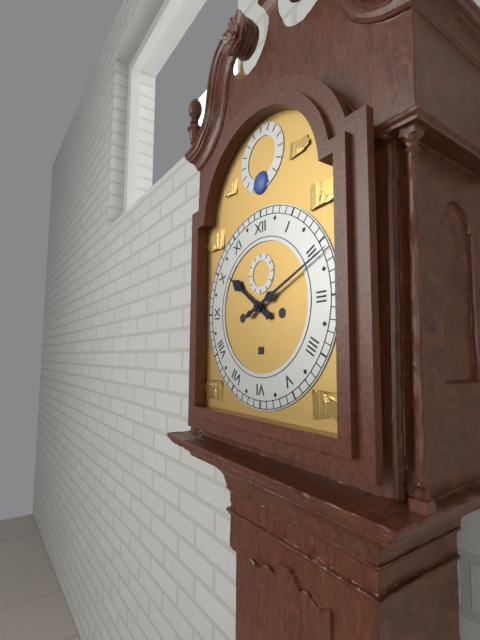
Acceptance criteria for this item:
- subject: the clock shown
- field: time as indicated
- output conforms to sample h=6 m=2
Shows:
h=10 m=11
